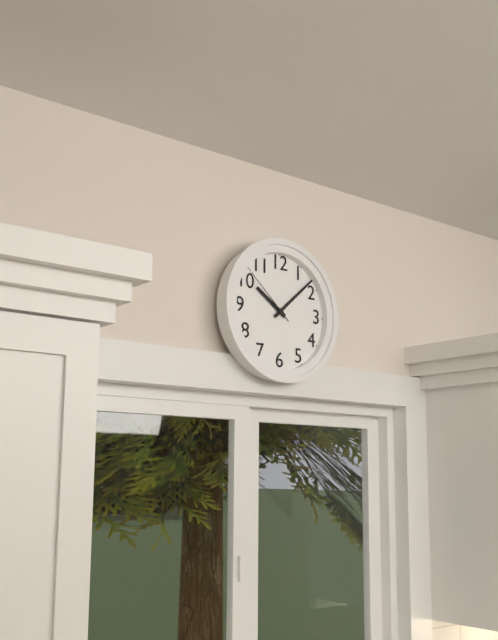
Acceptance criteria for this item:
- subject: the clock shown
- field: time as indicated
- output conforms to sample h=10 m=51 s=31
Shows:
h=10 m=8 s=52
